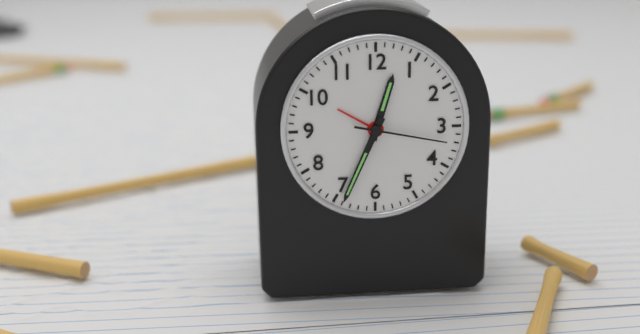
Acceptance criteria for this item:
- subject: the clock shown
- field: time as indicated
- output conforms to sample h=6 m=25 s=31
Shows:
h=12 m=34 s=17
